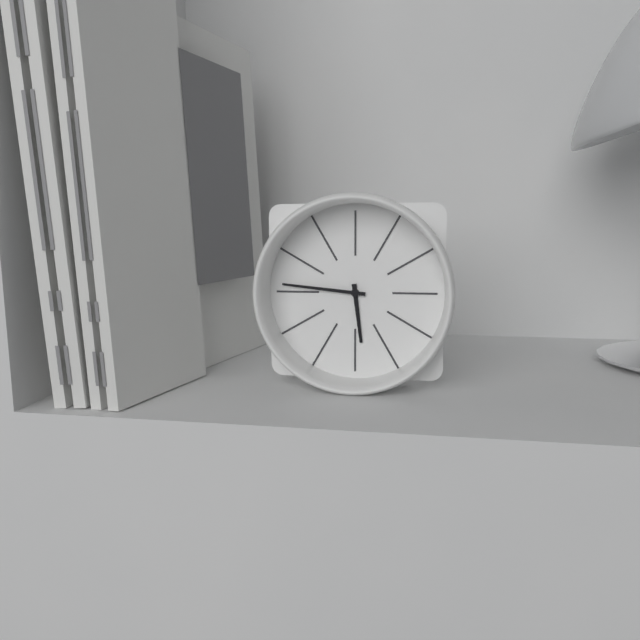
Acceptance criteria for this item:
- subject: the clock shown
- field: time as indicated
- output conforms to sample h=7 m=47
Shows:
h=5 m=46
